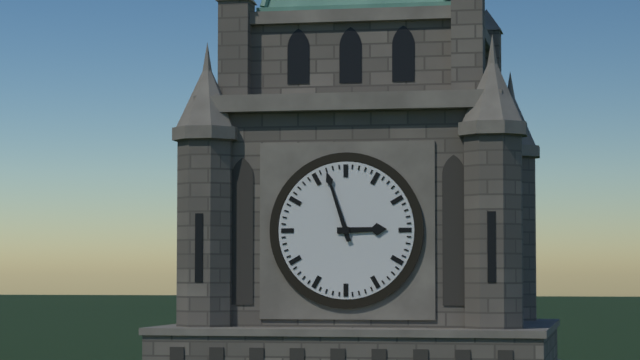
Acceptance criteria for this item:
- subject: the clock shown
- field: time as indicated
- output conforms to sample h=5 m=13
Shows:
h=2 m=57
